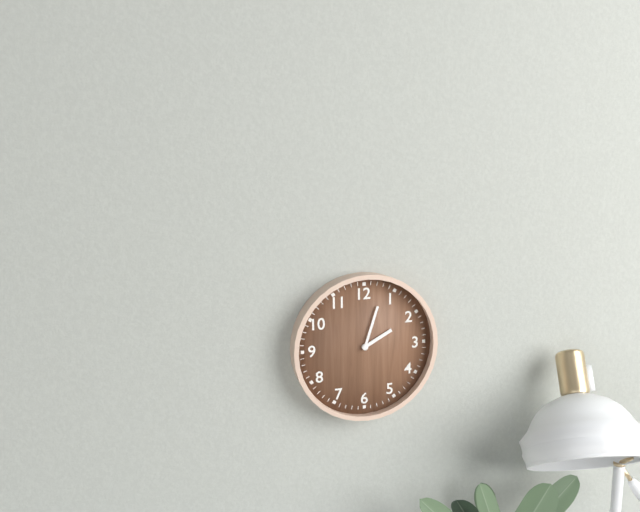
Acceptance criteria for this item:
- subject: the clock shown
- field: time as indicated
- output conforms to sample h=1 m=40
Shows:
h=2 m=3
